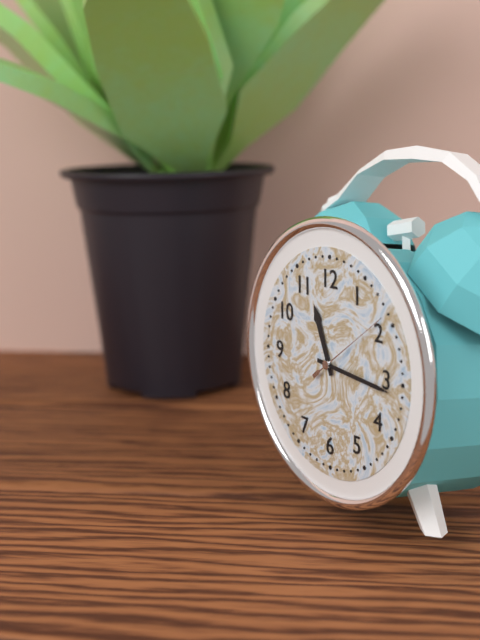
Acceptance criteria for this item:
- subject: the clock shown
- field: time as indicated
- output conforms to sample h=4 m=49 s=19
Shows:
h=11 m=16 s=9
